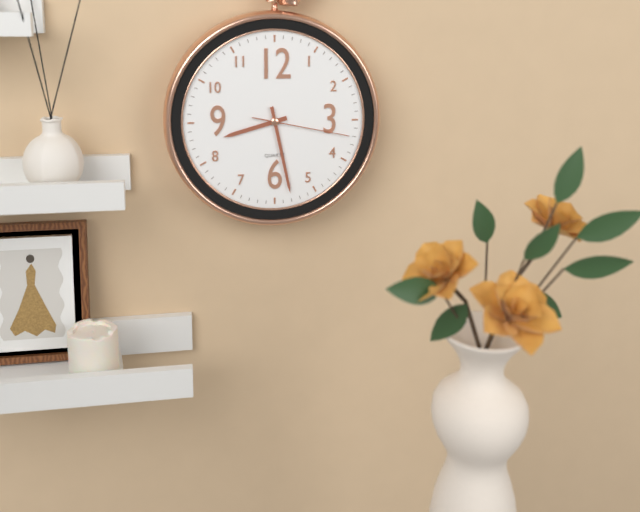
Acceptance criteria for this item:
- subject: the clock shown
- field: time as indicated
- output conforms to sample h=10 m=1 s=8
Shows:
h=8 m=28 s=17
